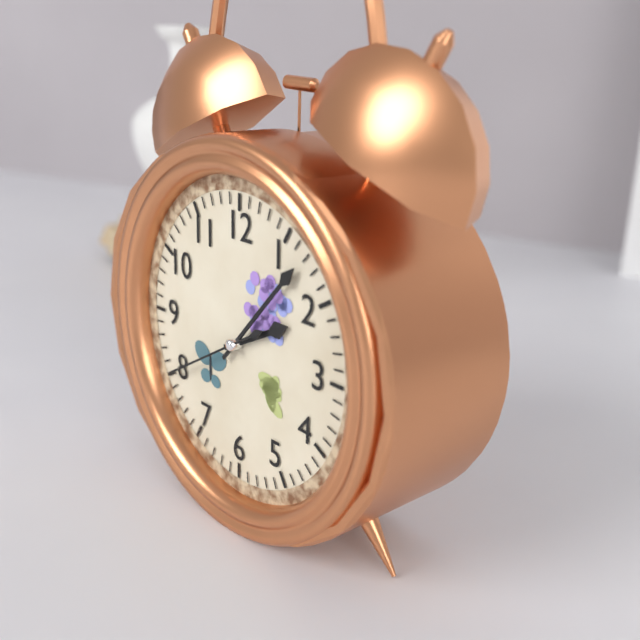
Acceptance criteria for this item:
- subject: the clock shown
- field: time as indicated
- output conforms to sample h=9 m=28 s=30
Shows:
h=2 m=7 s=40
